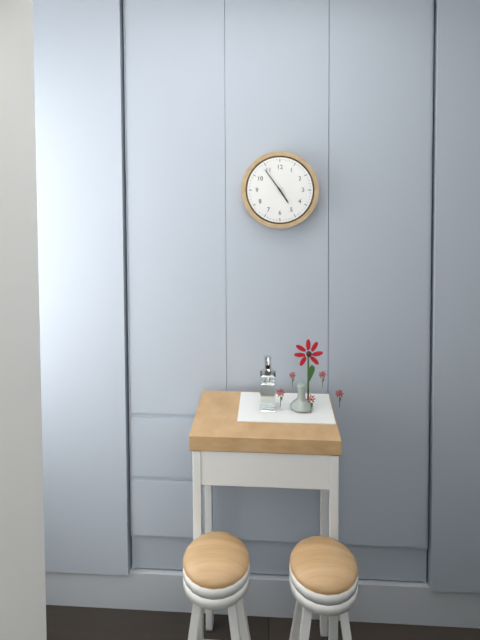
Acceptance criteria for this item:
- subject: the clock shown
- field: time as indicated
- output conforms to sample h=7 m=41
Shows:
h=4 m=54
